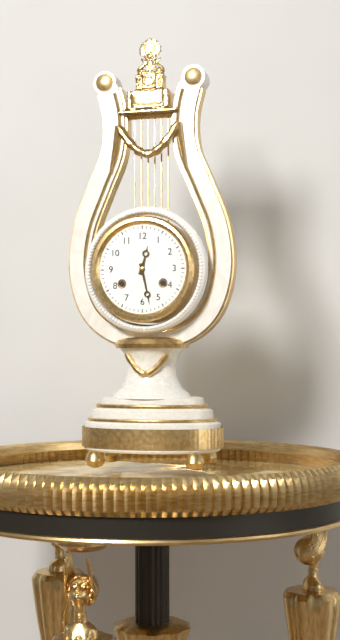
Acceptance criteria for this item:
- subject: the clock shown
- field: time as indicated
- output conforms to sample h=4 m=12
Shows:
h=12 m=28
